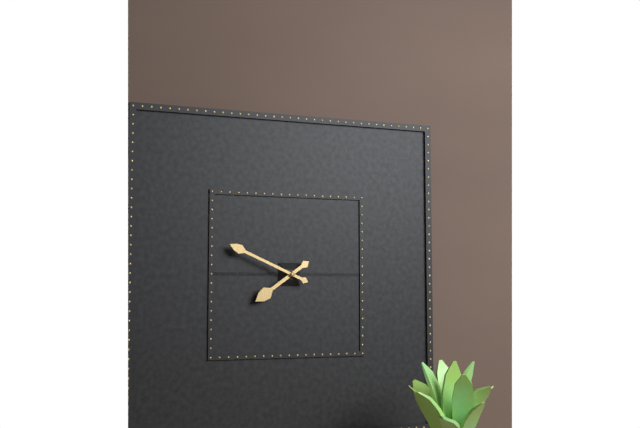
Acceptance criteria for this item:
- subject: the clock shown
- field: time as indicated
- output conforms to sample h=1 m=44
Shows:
h=7 m=49
